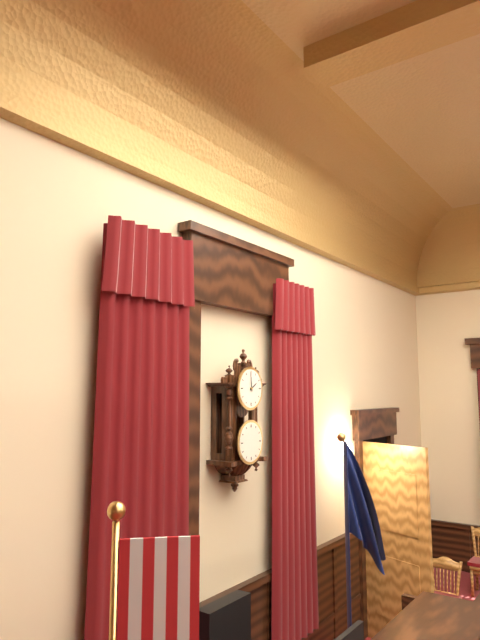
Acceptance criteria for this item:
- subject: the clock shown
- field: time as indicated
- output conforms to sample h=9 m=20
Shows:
h=1 m=59
